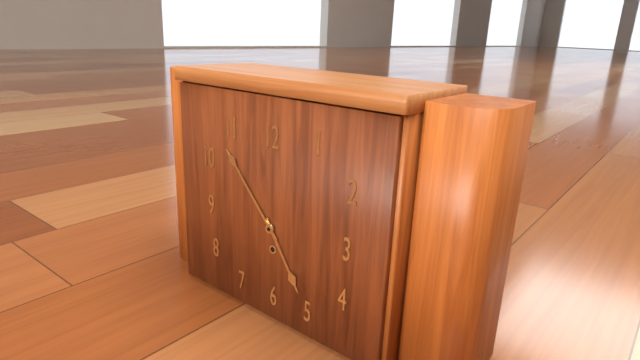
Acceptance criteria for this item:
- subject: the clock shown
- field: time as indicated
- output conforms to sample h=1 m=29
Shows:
h=4 m=53
